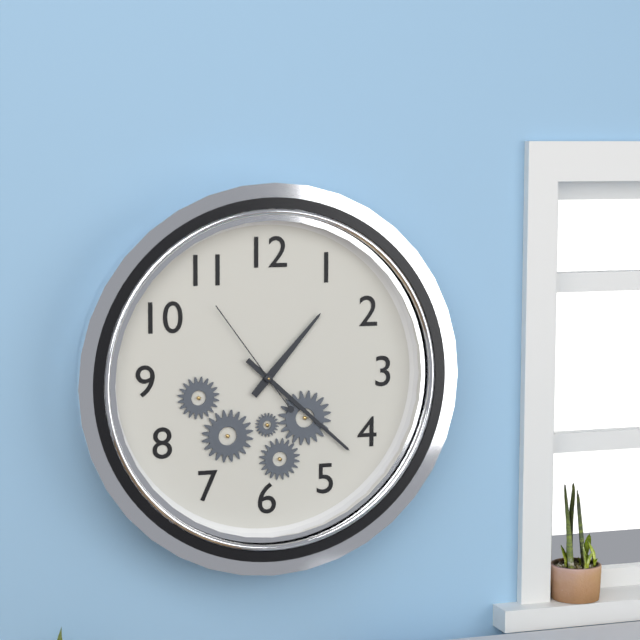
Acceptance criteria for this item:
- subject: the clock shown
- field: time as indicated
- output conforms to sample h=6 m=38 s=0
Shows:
h=1 m=22 s=54
